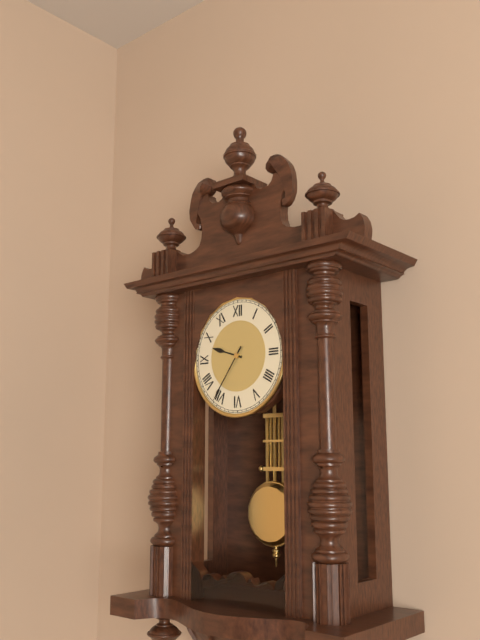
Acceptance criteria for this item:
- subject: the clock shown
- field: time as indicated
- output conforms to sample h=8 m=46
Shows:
h=9 m=36
